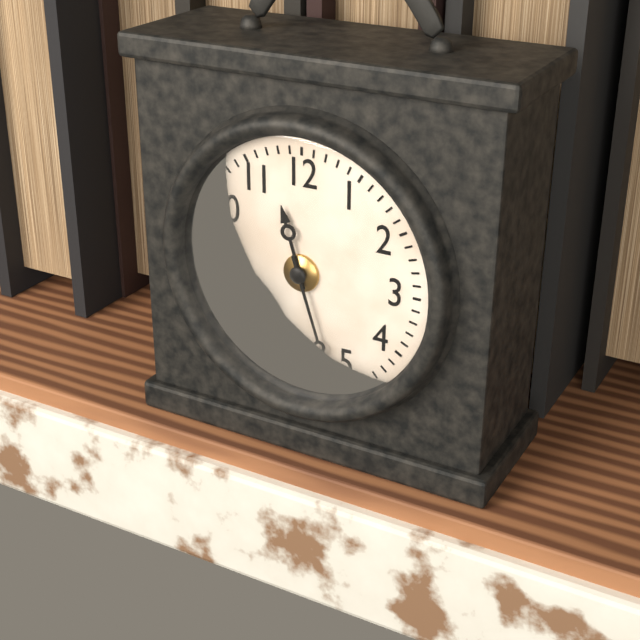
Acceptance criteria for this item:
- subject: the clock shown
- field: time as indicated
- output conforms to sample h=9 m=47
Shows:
h=11 m=27
